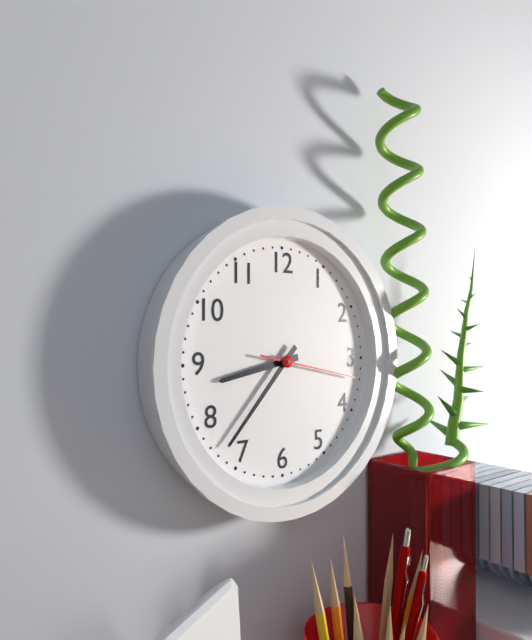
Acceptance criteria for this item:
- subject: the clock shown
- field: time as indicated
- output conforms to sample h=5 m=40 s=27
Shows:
h=8 m=37 s=17
